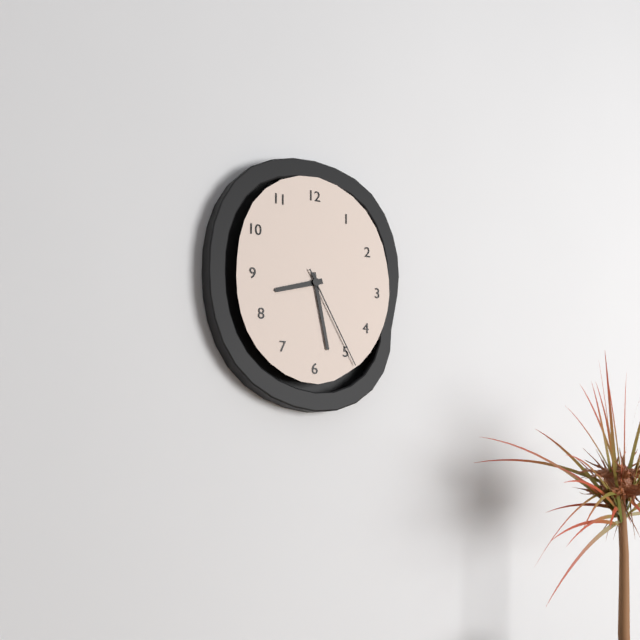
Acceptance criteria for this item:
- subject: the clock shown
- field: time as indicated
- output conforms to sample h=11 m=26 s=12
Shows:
h=8 m=28 s=25
